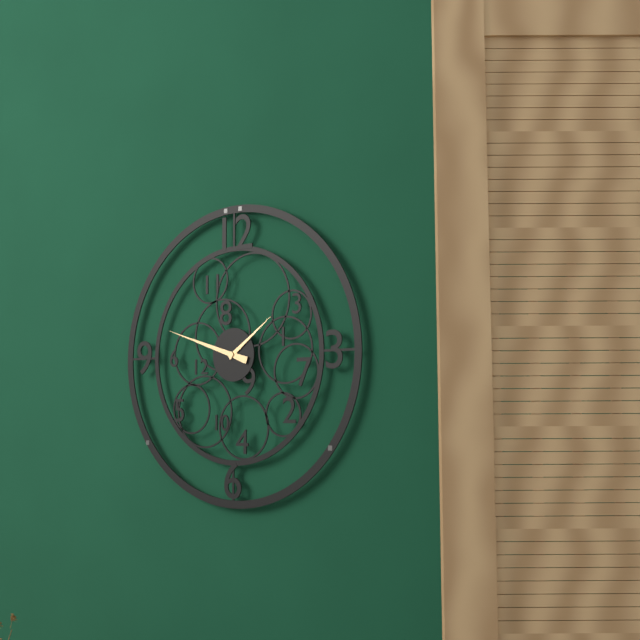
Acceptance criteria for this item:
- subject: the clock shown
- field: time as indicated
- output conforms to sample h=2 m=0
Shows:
h=1 m=48
